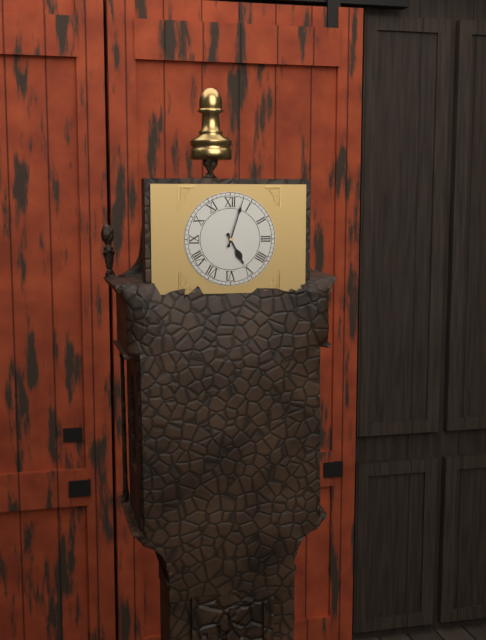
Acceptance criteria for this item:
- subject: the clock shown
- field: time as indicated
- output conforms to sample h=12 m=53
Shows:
h=5 m=3
